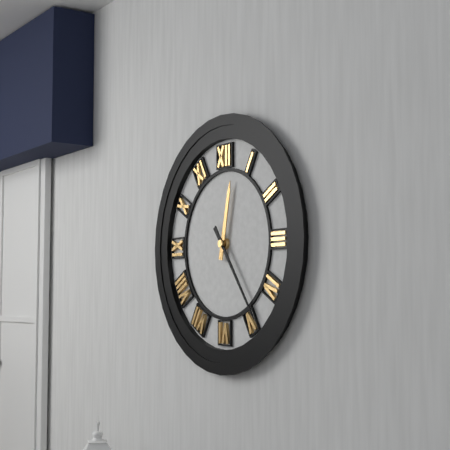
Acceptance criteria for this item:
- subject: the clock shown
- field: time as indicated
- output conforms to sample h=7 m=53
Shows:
h=12 m=24
